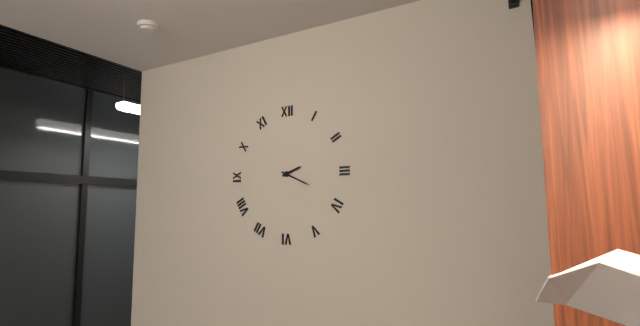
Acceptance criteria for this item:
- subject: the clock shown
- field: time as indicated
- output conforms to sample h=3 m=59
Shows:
h=2 m=19
